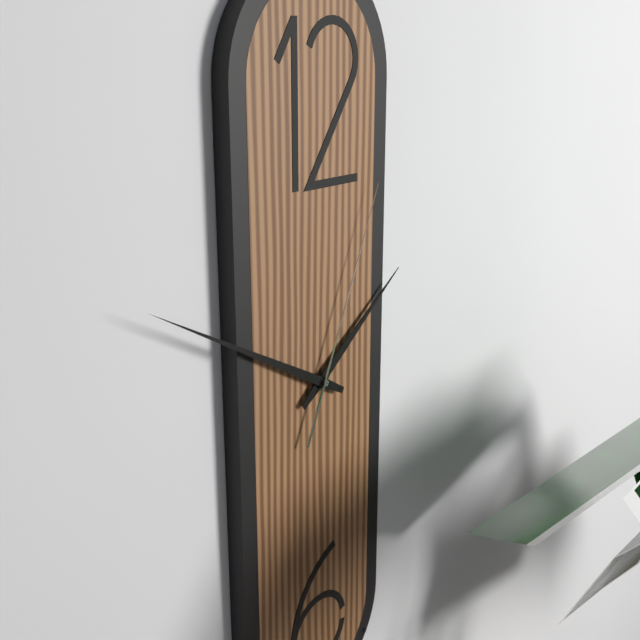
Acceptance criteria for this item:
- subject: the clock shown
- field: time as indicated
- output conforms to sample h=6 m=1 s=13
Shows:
h=1 m=50 s=4
